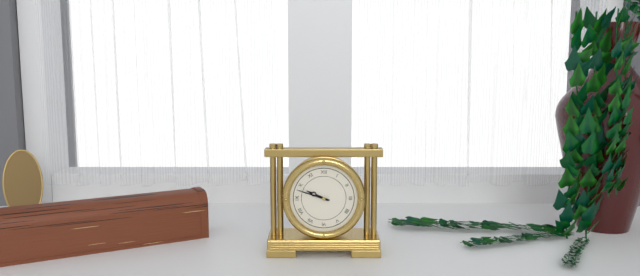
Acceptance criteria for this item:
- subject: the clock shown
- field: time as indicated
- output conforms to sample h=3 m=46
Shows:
h=9 m=48
